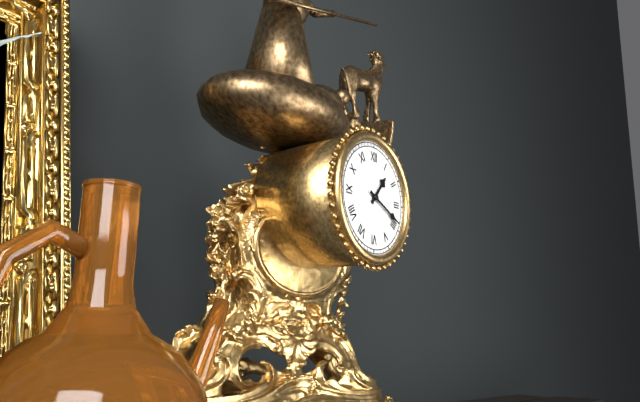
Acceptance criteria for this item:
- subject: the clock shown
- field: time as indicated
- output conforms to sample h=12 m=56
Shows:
h=1 m=19
